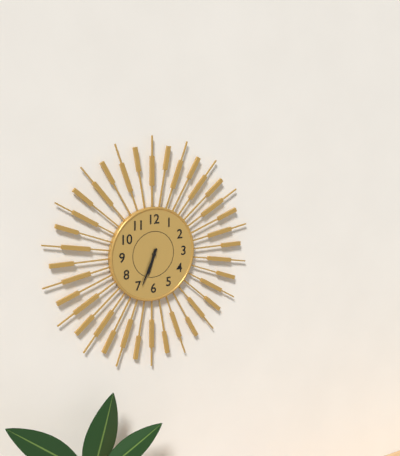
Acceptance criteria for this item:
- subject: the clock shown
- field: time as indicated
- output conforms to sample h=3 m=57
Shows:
h=6 m=34
